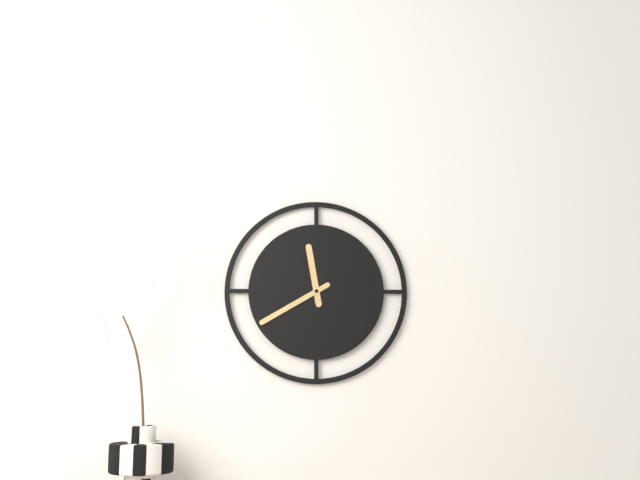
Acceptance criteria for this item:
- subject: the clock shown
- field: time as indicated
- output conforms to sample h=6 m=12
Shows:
h=11 m=40
